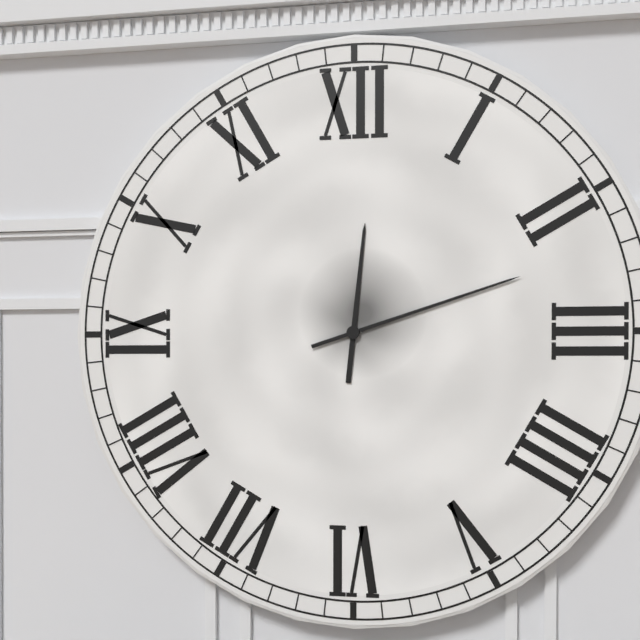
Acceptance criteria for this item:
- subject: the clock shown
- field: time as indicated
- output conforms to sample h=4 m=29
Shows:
h=12 m=12
